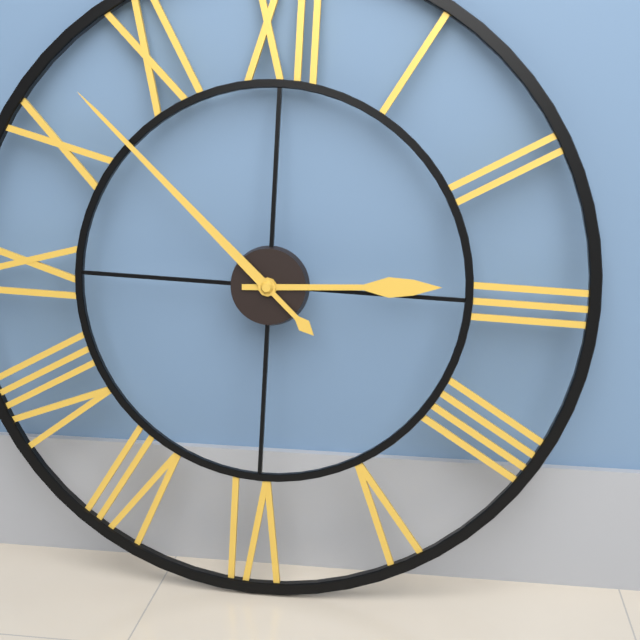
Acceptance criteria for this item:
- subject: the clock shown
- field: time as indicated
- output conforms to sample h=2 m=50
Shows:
h=2 m=52
